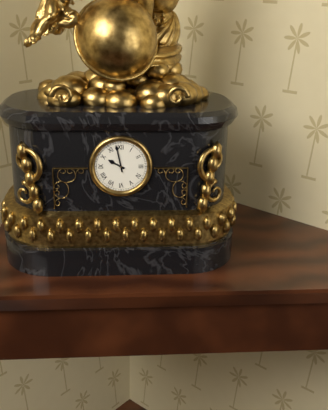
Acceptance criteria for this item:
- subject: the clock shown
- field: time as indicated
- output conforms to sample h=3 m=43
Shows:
h=9 m=58
